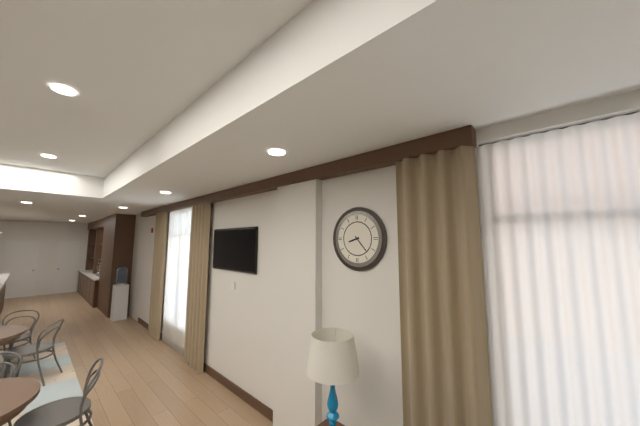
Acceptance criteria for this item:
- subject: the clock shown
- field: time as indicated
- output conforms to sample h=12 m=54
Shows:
h=8 m=23
